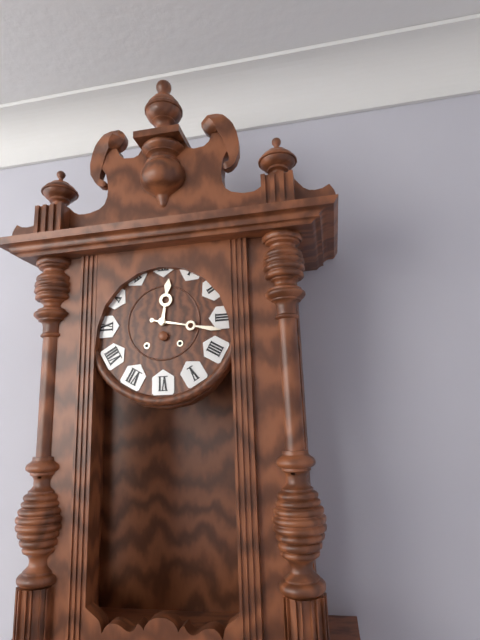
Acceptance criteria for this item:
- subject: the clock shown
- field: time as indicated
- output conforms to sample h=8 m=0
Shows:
h=12 m=17
